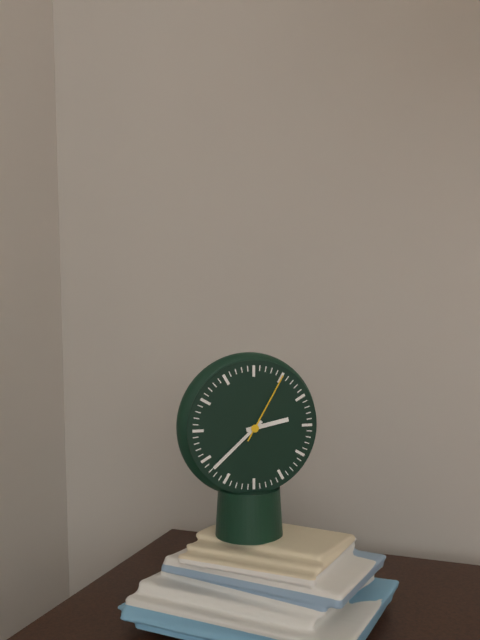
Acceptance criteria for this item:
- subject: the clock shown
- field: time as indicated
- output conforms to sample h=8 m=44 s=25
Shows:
h=2 m=38 s=5
